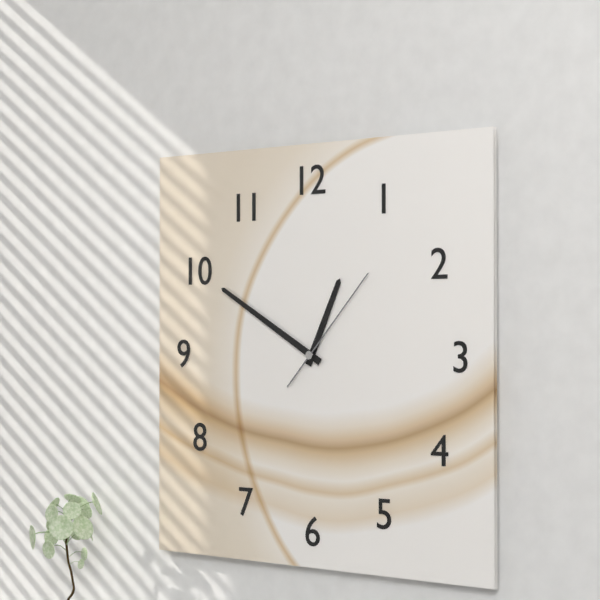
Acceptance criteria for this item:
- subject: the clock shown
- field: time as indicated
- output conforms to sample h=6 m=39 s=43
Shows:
h=12 m=50 s=7
